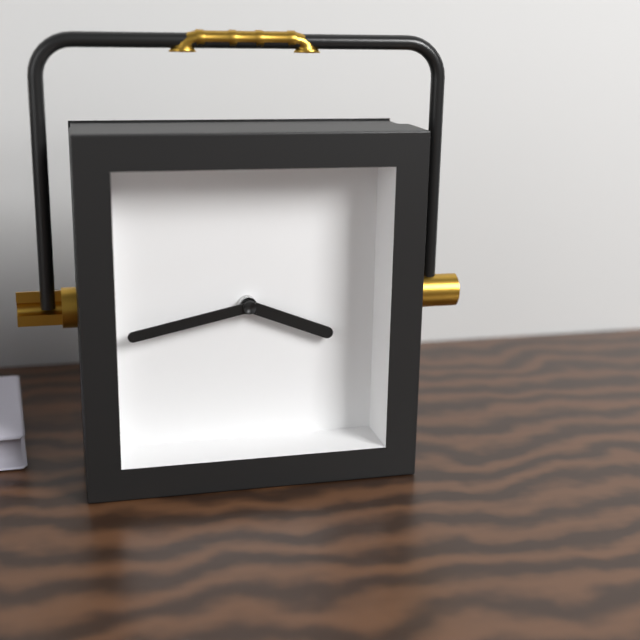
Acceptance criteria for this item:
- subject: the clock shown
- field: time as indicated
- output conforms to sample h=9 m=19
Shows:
h=3 m=43
